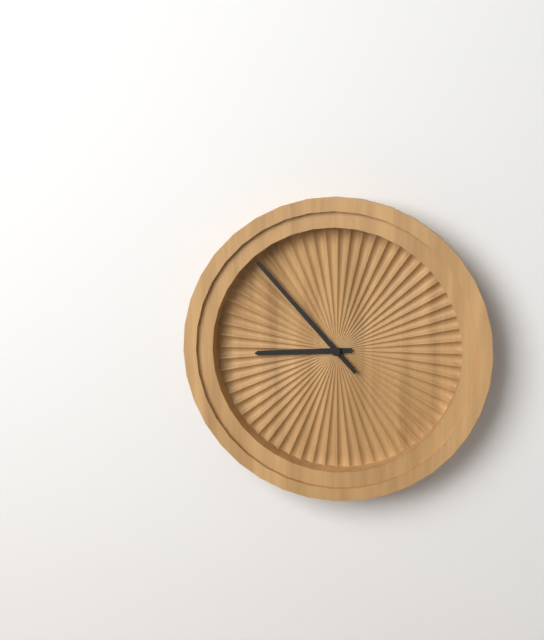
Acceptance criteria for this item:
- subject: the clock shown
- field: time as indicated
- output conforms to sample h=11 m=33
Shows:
h=8 m=53
